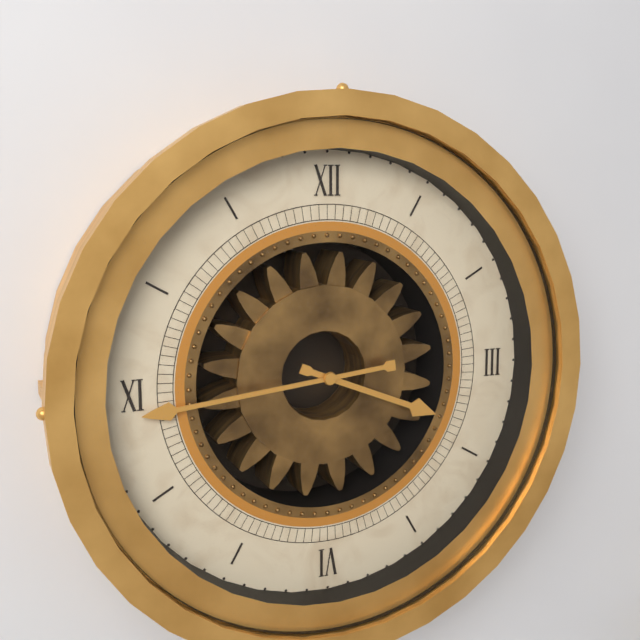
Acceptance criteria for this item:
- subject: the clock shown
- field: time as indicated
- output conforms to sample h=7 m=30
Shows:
h=3 m=44
